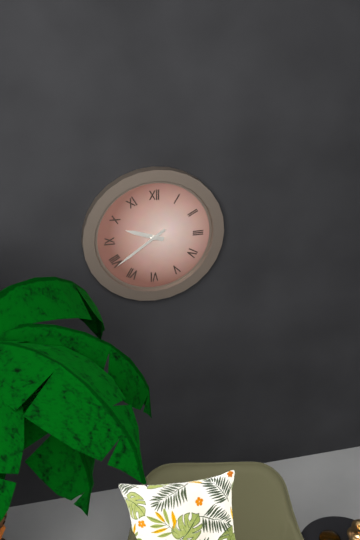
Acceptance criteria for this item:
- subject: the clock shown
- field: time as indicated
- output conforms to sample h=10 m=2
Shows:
h=9 m=39
